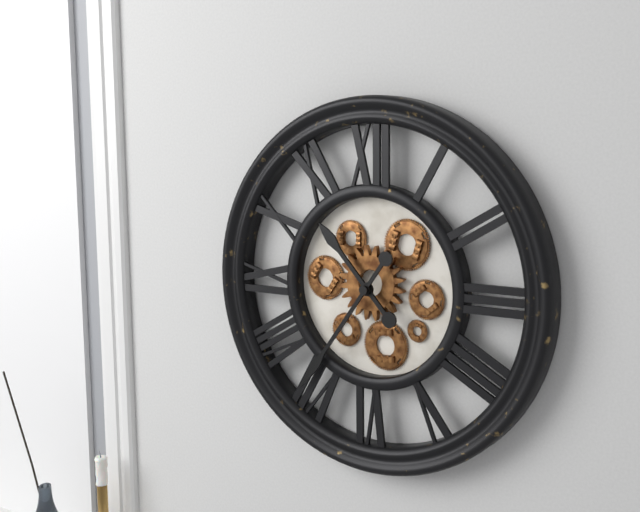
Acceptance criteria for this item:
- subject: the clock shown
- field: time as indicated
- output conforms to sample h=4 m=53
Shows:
h=10 m=36
